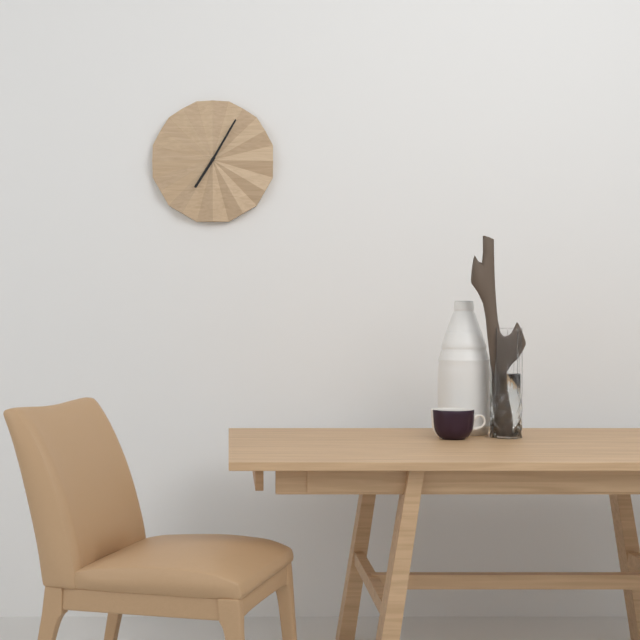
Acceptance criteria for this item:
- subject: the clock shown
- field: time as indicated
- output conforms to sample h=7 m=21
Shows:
h=7 m=5
